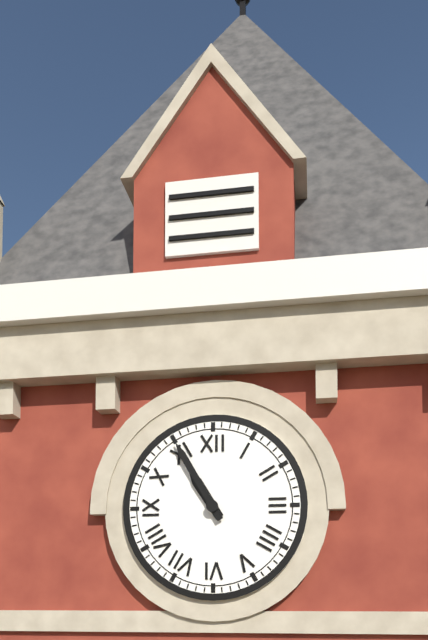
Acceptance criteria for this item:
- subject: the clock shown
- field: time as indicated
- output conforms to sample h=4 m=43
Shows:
h=10 m=55
